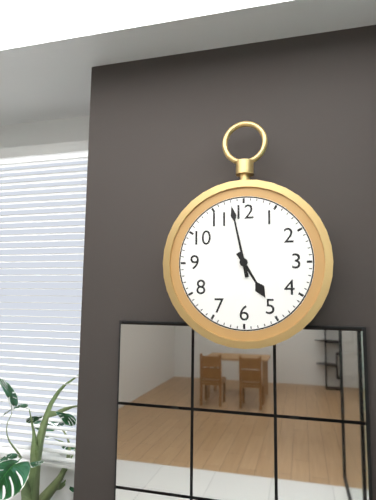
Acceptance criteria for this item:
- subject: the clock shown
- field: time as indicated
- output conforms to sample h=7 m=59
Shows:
h=4 m=58
